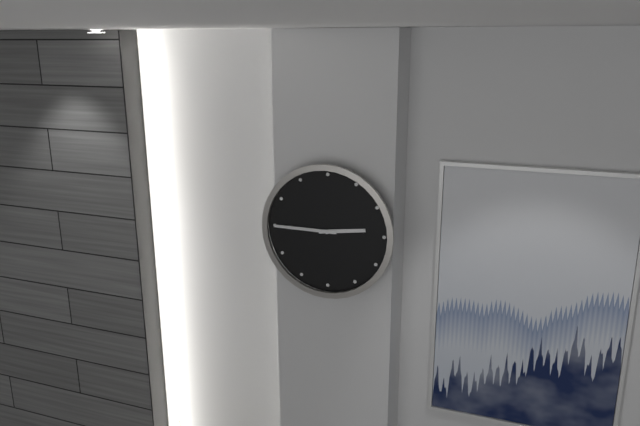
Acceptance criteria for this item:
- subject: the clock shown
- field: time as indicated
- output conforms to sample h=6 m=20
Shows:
h=2 m=45
